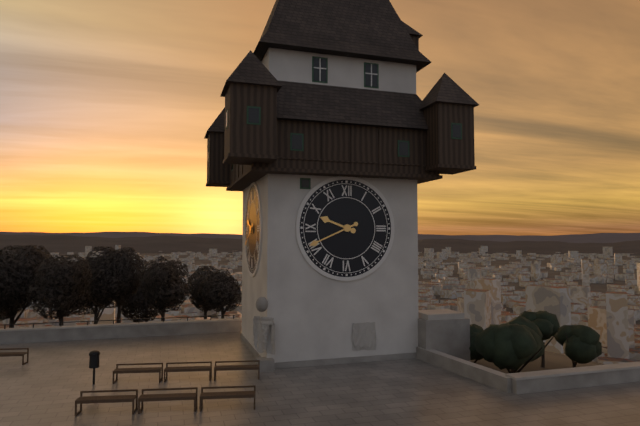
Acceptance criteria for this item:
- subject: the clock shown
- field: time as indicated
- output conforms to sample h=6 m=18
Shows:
h=9 m=41
